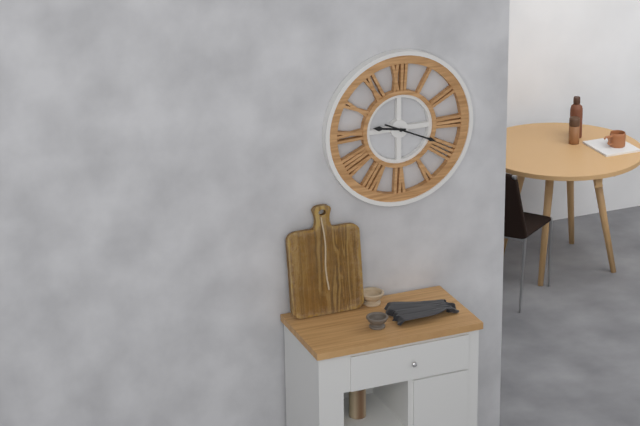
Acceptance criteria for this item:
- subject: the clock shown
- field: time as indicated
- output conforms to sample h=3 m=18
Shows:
h=9 m=19
